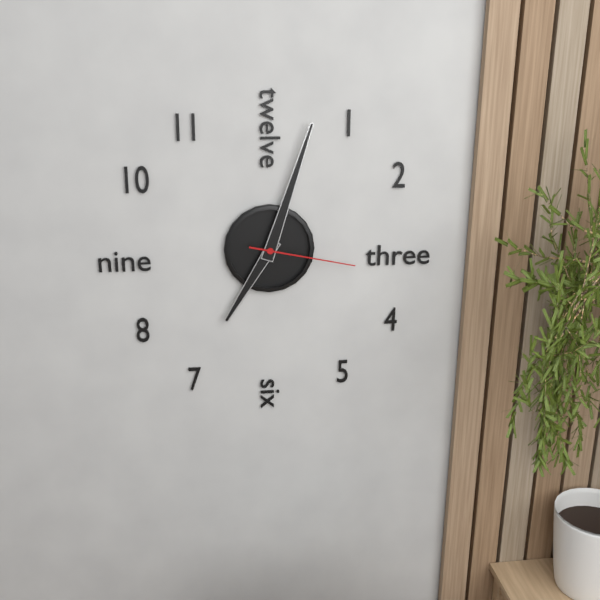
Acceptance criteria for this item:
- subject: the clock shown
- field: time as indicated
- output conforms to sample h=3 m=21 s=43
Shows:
h=7 m=3 s=17
